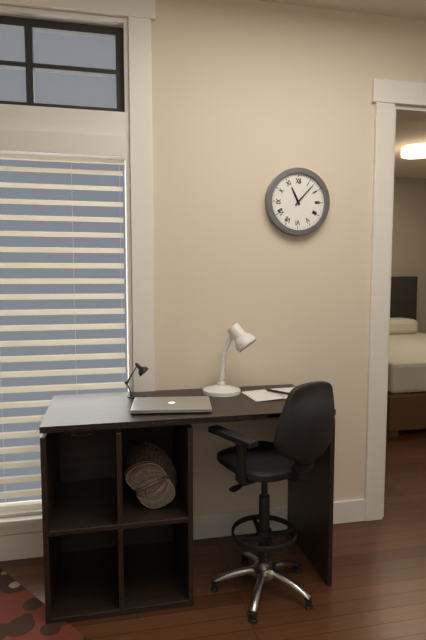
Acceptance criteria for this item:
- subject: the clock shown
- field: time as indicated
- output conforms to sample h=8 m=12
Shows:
h=11 m=7
